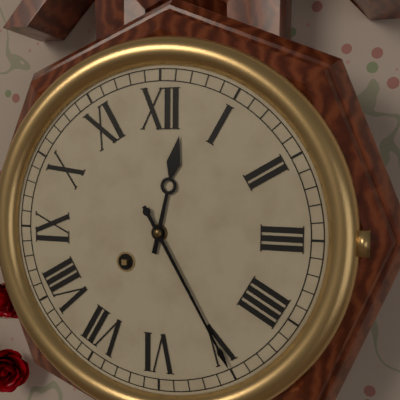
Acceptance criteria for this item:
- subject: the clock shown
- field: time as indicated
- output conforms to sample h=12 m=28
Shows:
h=12 m=25
